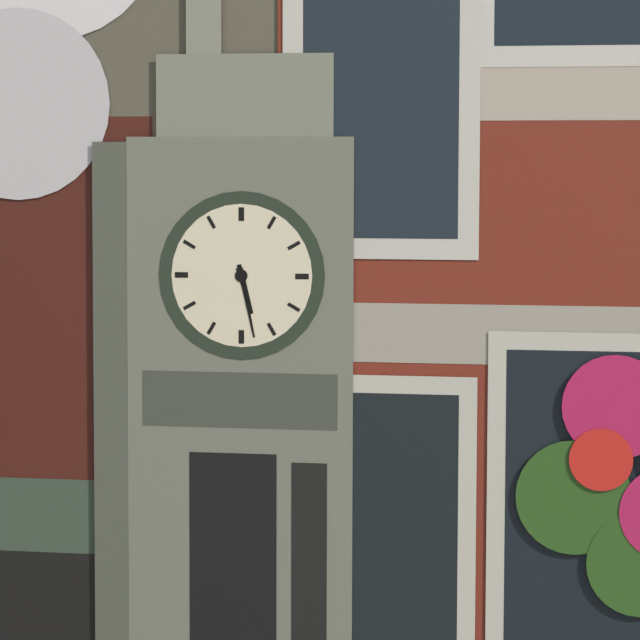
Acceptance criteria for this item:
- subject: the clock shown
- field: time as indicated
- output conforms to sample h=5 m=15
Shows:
h=5 m=28
